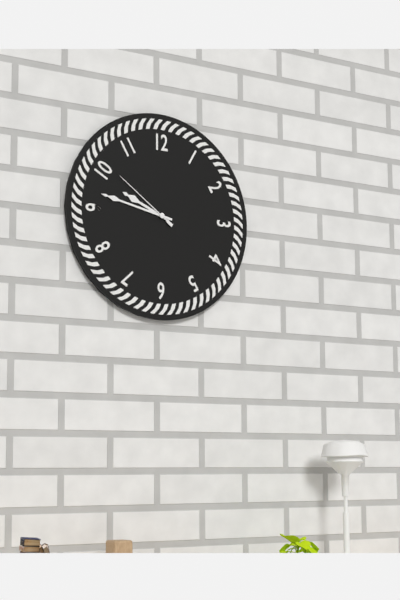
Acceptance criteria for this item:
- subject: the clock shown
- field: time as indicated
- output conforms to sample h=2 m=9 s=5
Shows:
h=9 m=47 s=51
